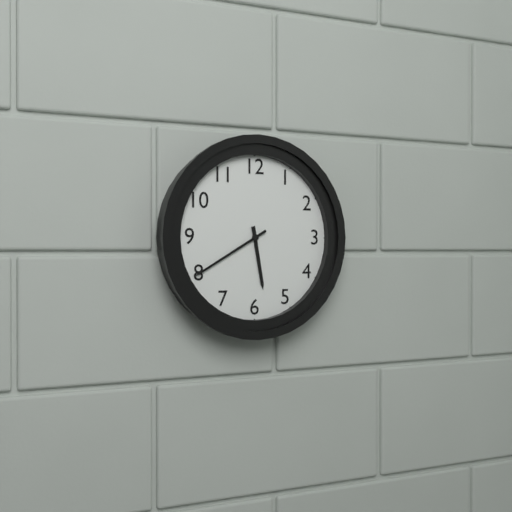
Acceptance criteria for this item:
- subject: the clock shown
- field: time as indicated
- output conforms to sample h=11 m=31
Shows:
h=5 m=40
